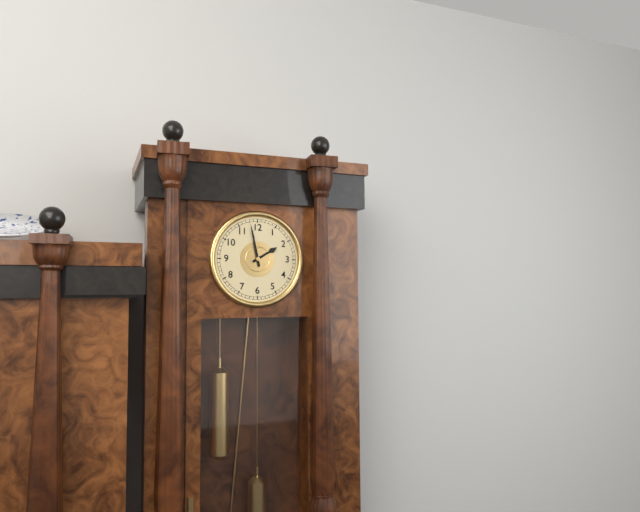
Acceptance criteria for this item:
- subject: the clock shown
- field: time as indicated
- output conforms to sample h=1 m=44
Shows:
h=1 m=58
